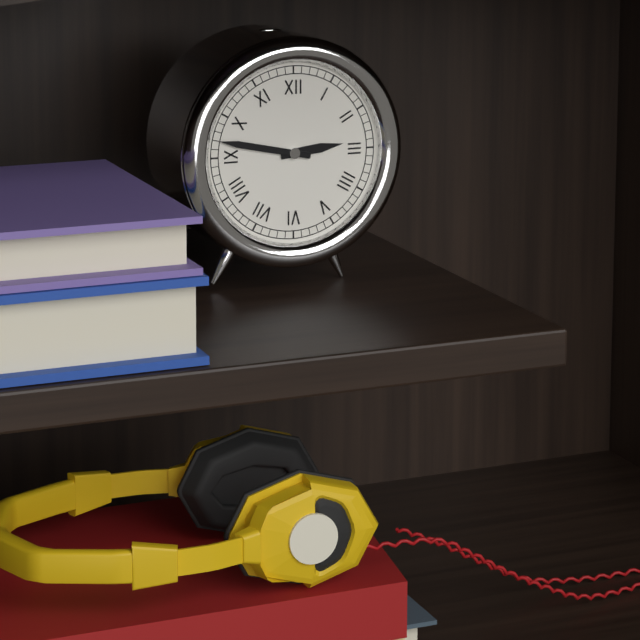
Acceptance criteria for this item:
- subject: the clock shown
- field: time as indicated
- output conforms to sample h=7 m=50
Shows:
h=2 m=47
